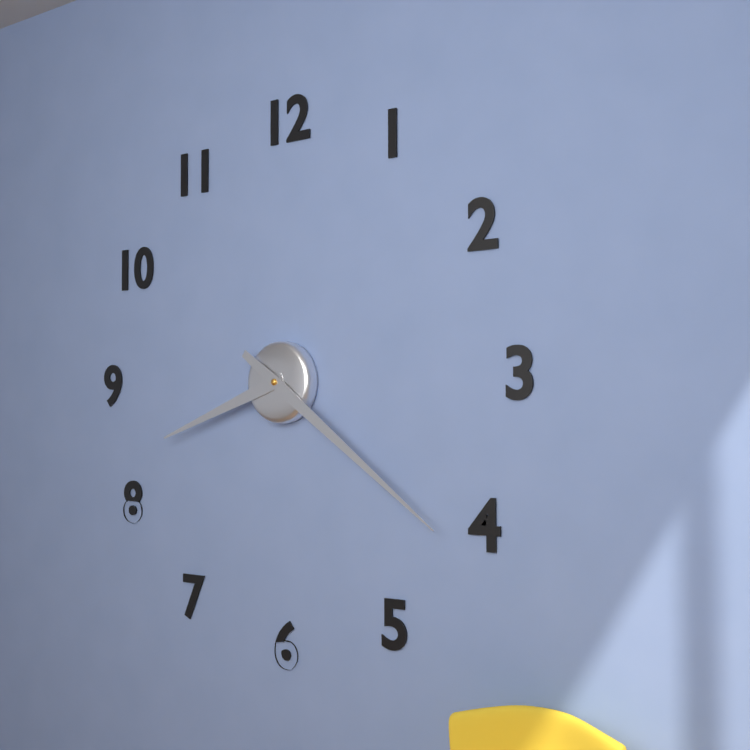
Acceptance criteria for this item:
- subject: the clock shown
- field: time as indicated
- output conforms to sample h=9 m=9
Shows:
h=8 m=21
